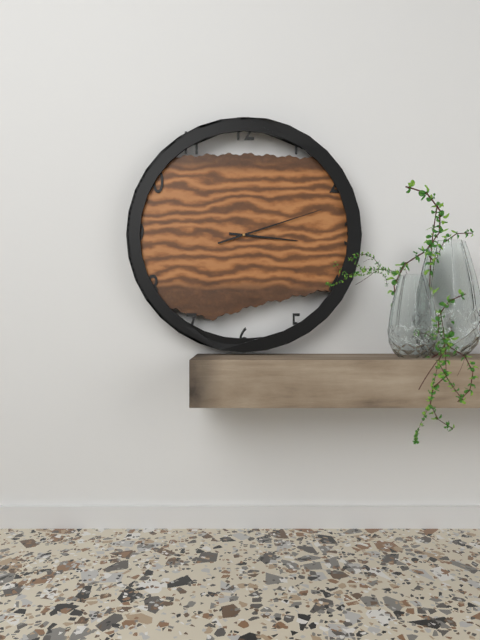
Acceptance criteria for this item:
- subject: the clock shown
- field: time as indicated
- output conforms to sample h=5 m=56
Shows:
h=3 m=12
